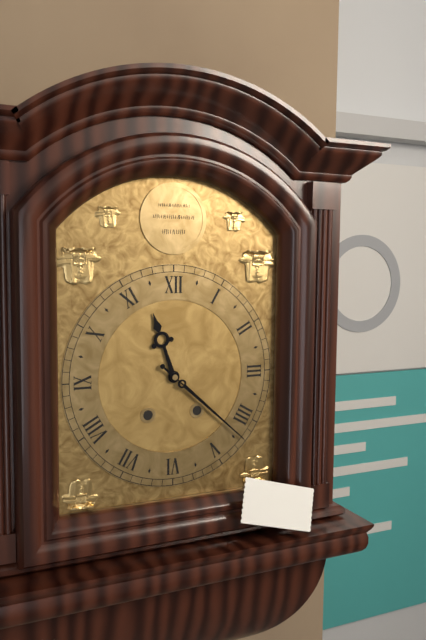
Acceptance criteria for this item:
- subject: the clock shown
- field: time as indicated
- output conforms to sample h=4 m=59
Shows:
h=11 m=22
